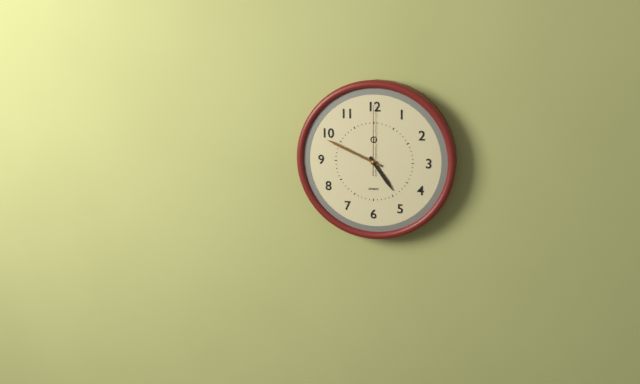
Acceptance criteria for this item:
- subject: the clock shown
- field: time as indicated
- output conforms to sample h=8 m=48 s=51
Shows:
h=4 m=49 s=0
